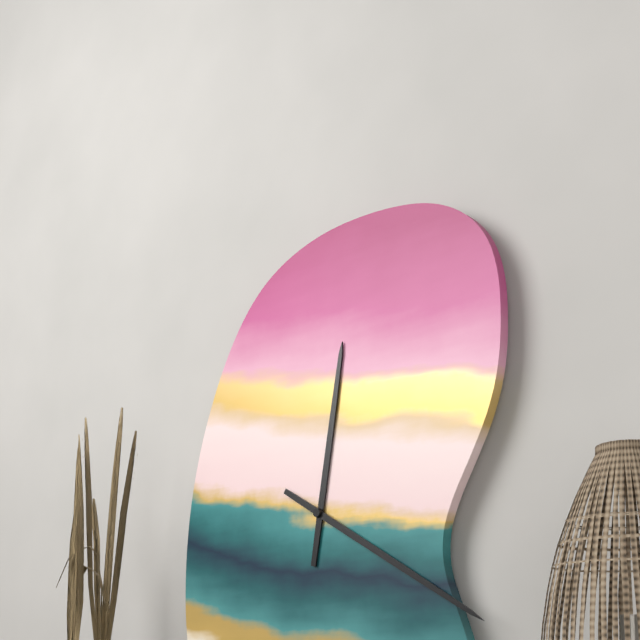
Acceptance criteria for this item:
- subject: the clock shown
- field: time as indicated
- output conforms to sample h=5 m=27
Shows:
h=12 m=20
